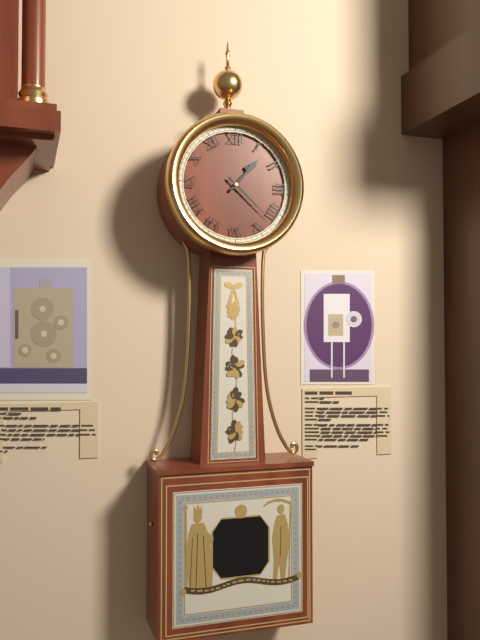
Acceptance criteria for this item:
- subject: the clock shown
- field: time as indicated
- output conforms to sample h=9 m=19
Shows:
h=1 m=22
